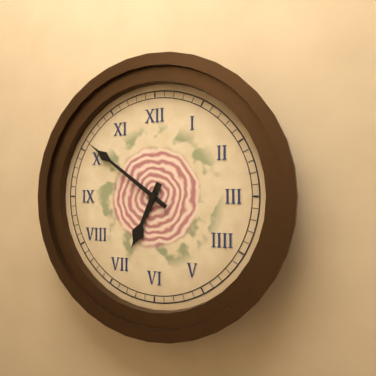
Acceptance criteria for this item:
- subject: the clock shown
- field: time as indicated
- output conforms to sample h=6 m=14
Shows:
h=6 m=51
